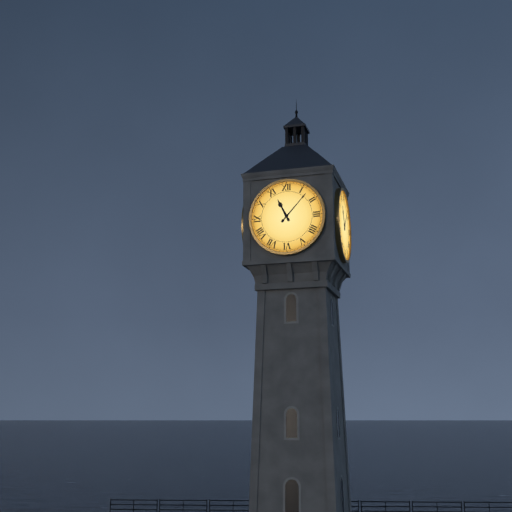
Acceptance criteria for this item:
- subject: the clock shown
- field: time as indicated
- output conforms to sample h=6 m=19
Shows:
h=11 m=7
